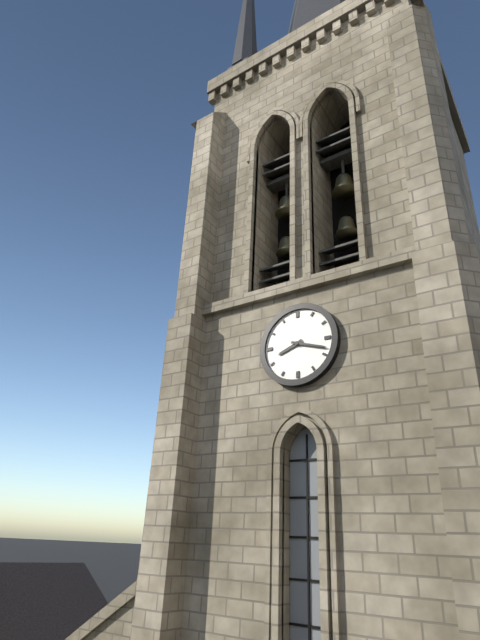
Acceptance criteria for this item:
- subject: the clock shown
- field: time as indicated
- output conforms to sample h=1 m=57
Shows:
h=8 m=18
